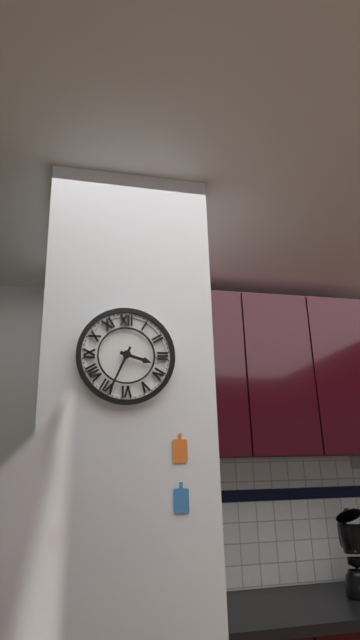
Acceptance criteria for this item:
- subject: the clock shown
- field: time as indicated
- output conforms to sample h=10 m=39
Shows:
h=3 m=34
